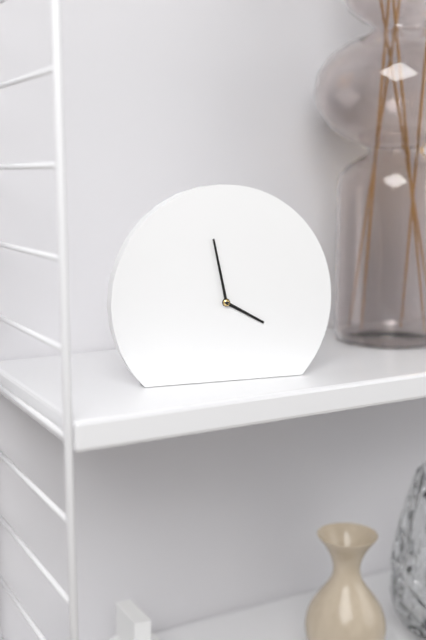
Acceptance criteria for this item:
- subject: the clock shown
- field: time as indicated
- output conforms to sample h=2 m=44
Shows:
h=3 m=58
